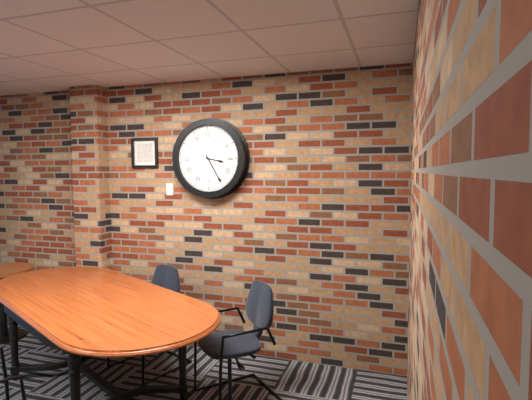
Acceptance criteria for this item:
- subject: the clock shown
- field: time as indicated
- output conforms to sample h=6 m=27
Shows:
h=3 m=25
